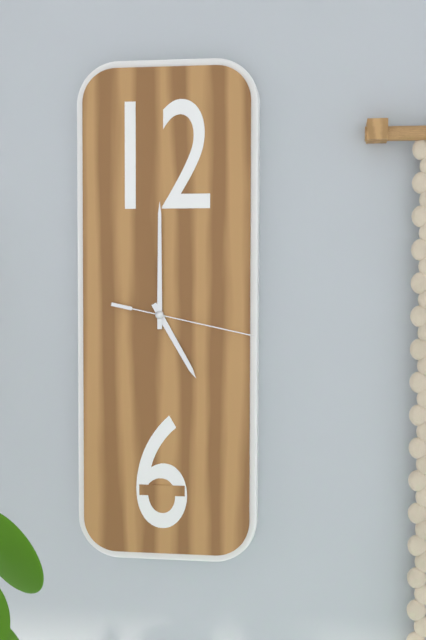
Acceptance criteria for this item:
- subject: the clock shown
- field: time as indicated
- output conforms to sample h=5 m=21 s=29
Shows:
h=5 m=0 s=17
